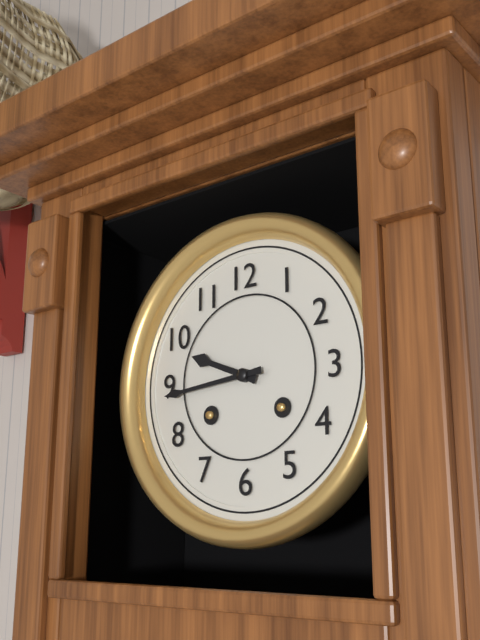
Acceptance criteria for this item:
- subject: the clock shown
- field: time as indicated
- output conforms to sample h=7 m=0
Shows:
h=9 m=44
